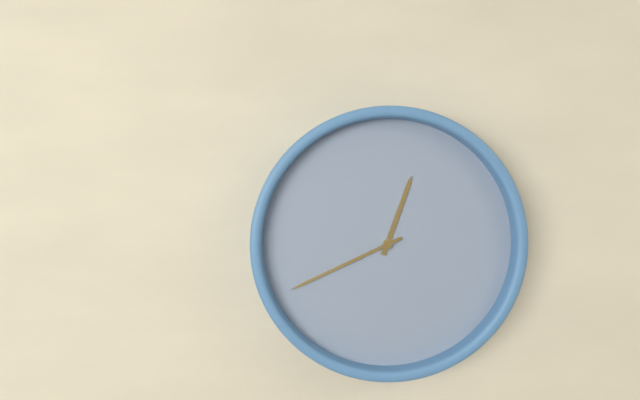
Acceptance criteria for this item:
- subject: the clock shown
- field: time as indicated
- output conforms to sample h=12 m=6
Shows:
h=12 m=41
